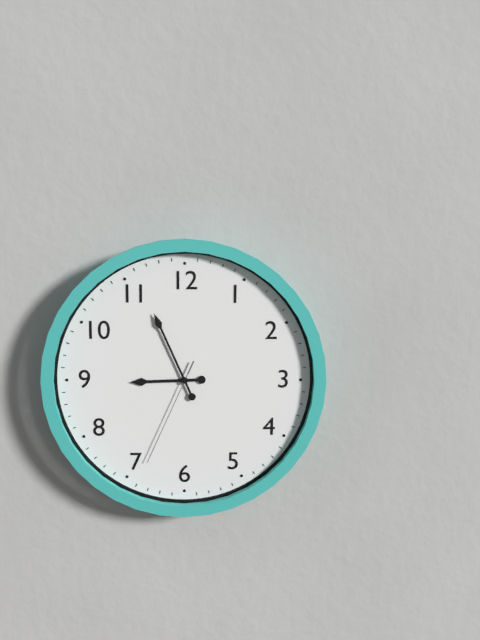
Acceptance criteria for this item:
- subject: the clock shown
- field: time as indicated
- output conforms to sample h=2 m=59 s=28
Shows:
h=8 m=56 s=34
